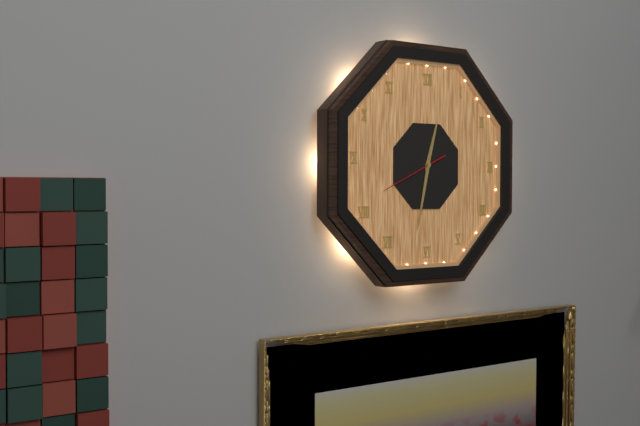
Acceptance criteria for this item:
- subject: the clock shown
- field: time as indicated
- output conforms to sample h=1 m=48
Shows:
h=12 m=32
